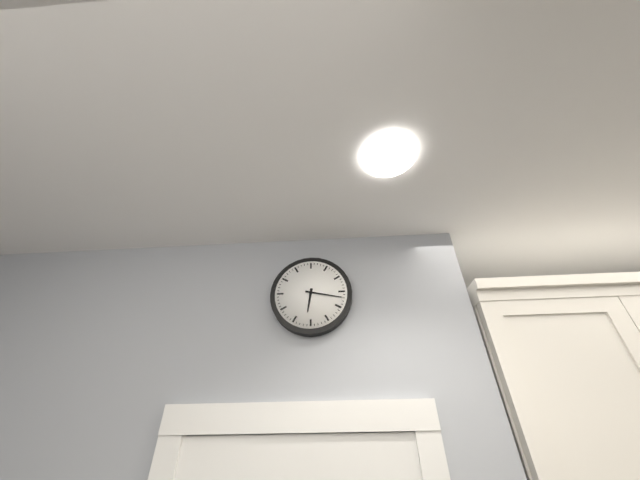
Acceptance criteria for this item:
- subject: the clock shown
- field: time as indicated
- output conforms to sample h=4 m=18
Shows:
h=6 m=17
